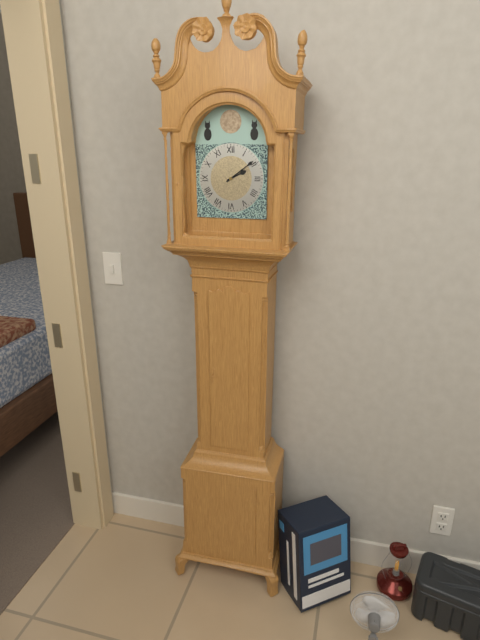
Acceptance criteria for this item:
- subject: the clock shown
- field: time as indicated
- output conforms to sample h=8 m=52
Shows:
h=2 m=9
